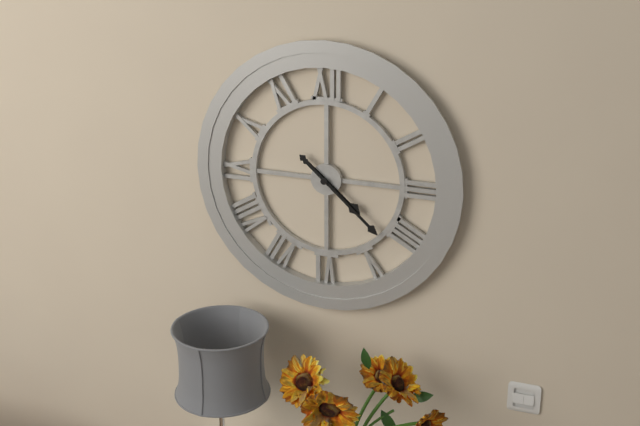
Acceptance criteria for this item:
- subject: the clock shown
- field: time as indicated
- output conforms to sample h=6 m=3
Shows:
h=4 m=22
